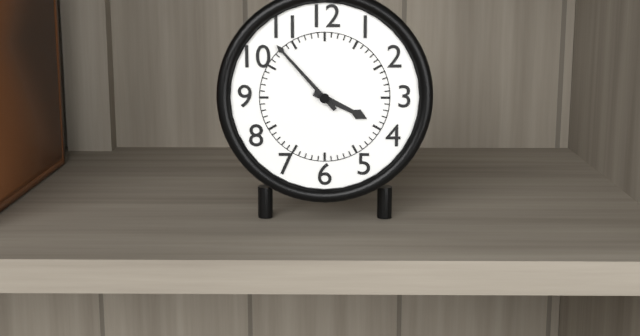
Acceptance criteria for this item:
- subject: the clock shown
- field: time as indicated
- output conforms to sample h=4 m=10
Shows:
h=3 m=53
